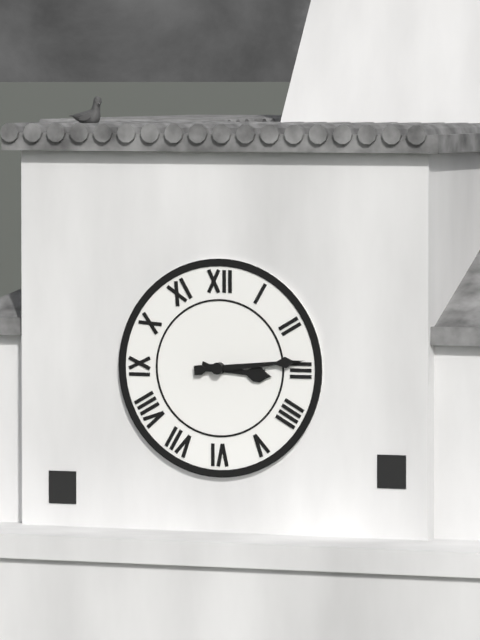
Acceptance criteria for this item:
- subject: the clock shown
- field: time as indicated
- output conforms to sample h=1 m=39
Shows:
h=3 m=14
